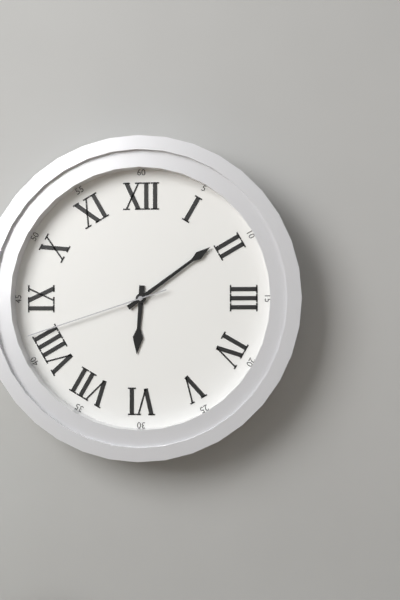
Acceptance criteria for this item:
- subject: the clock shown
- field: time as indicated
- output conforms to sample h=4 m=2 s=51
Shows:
h=6 m=9 s=42
